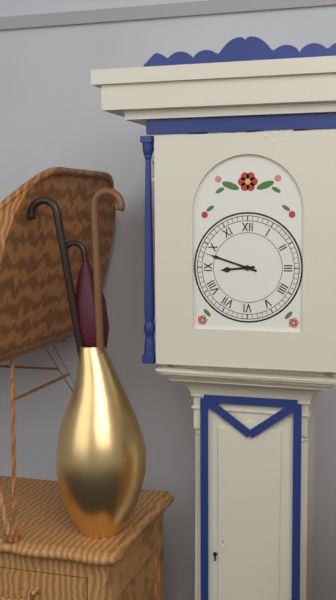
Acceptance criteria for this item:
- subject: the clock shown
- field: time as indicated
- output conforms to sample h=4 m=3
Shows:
h=8 m=48
